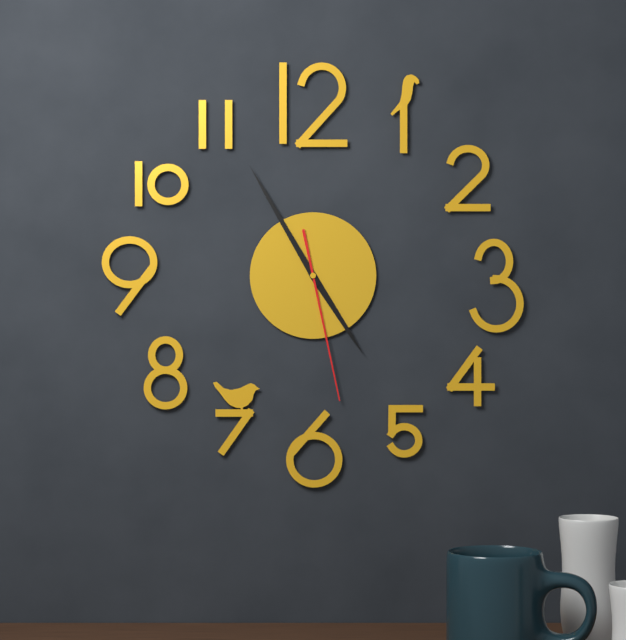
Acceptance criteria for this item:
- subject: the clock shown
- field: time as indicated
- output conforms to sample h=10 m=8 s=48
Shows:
h=4 m=55 s=28
